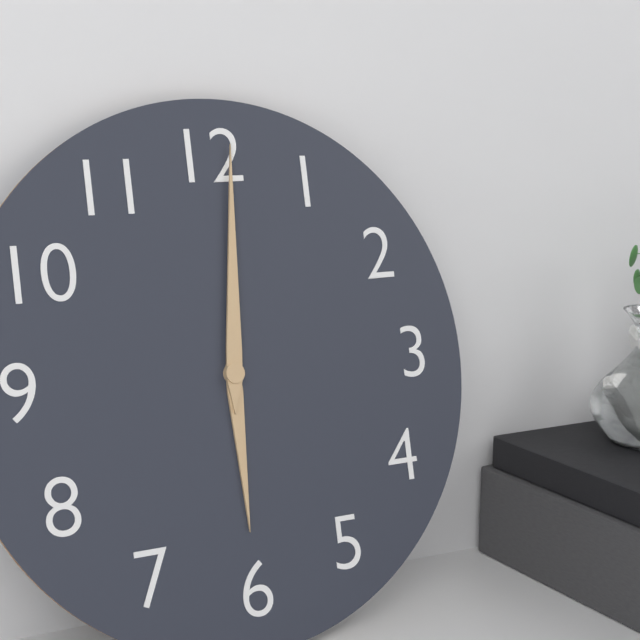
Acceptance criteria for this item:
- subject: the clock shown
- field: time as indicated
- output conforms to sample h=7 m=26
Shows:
h=6 m=1
